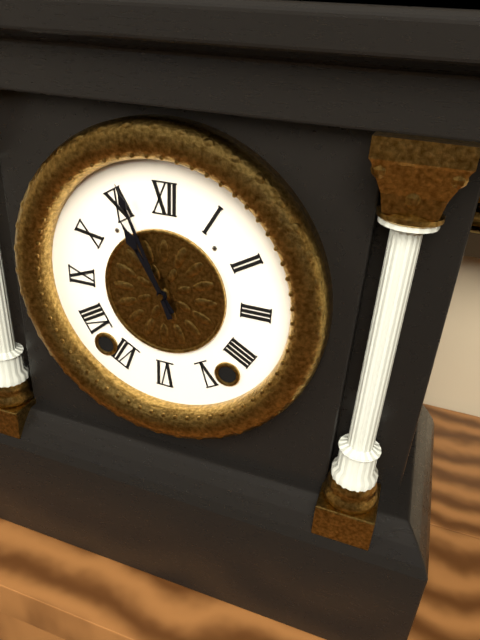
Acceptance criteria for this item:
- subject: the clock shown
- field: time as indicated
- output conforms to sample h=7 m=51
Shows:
h=10 m=56
